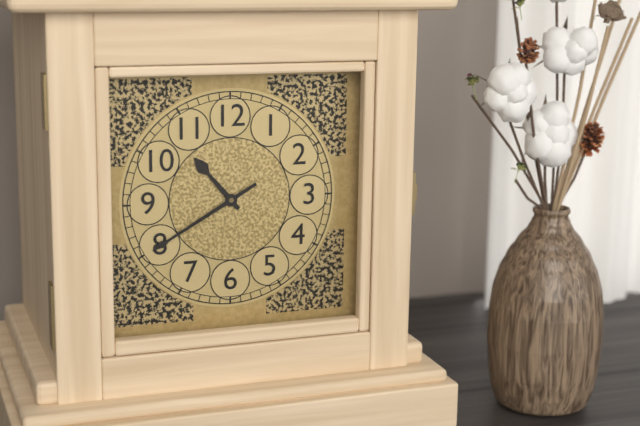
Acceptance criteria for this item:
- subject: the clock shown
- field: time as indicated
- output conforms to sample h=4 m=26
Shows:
h=10 m=40
